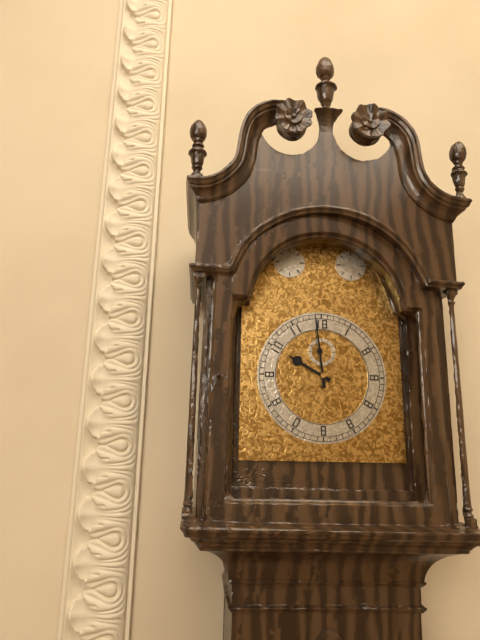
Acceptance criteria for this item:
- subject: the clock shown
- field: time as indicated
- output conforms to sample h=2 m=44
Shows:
h=9 m=59
